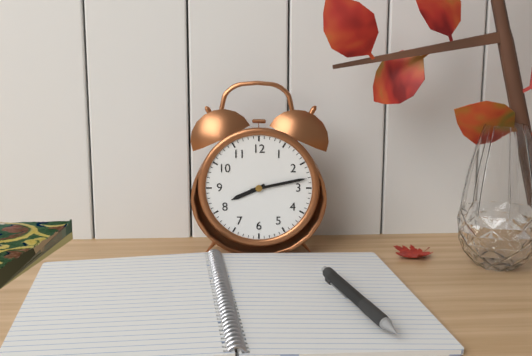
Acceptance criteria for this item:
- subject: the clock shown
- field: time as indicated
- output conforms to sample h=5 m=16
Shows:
h=8 m=13
